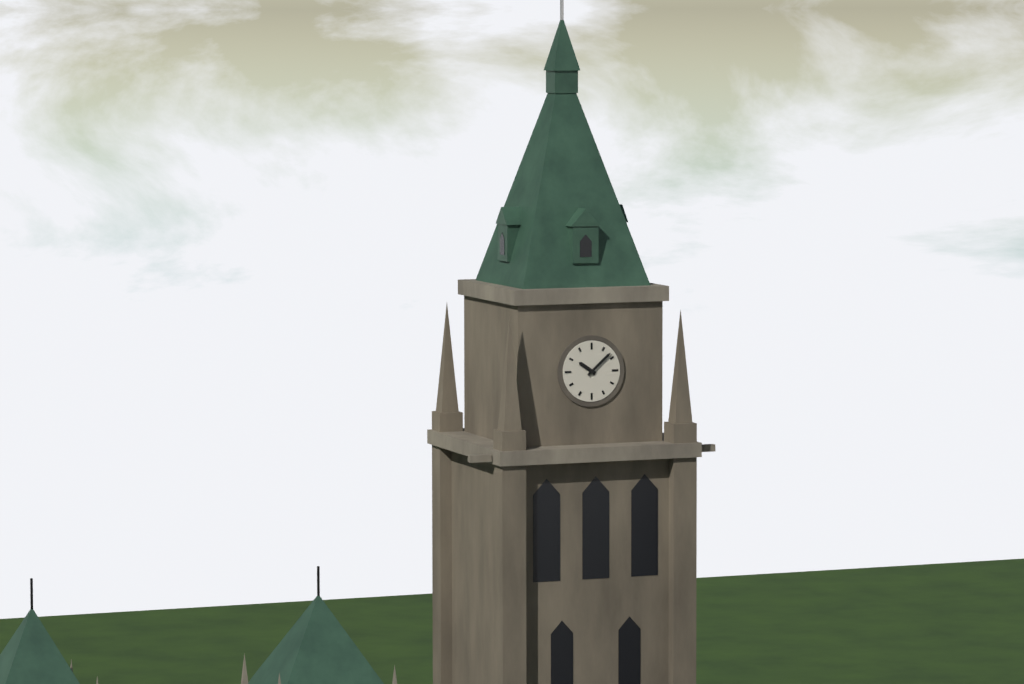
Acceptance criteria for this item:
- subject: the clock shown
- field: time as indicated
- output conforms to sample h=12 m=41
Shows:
h=10 m=8
